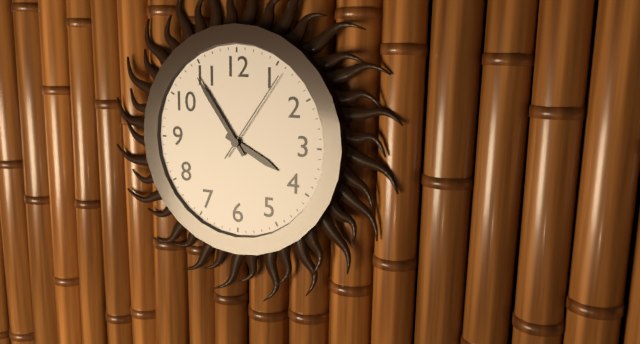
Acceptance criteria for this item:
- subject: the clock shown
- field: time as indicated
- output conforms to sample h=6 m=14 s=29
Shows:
h=3 m=54 s=6
